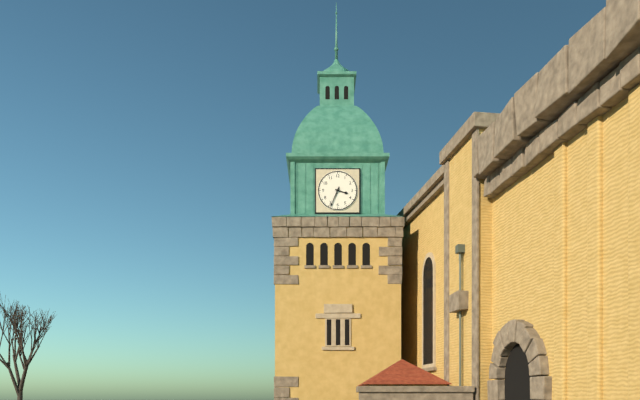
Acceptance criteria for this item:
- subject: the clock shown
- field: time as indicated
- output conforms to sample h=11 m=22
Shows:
h=3 m=34
